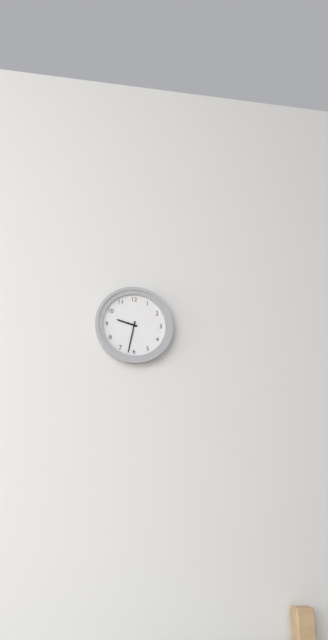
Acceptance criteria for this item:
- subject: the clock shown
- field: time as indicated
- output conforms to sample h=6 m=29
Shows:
h=9 m=32
